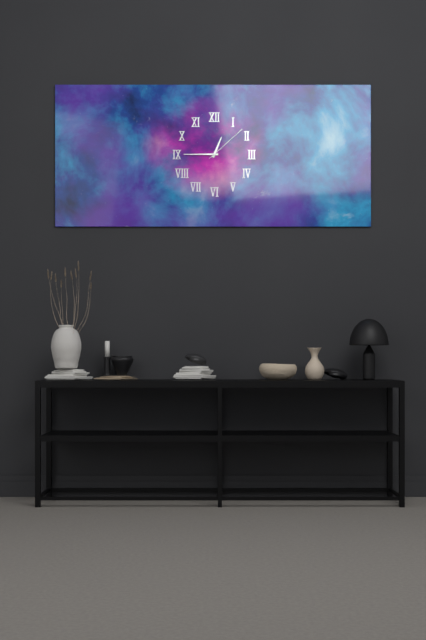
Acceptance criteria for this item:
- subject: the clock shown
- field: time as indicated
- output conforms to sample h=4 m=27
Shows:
h=12 m=45
